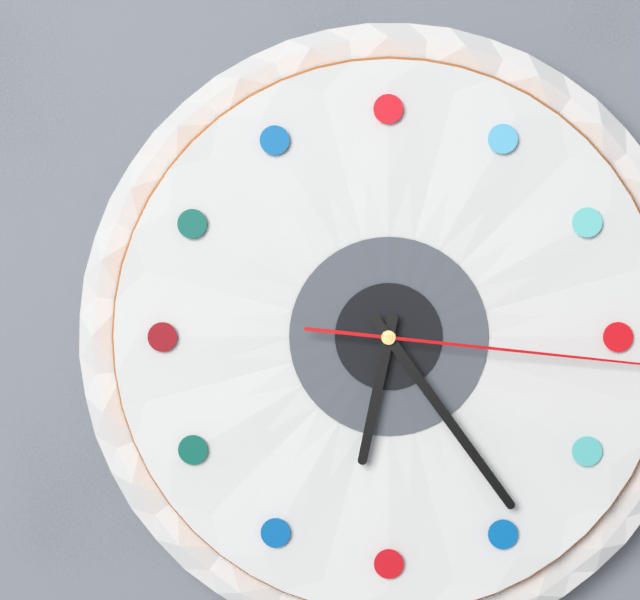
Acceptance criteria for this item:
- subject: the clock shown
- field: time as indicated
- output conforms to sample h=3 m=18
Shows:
h=6 m=24
